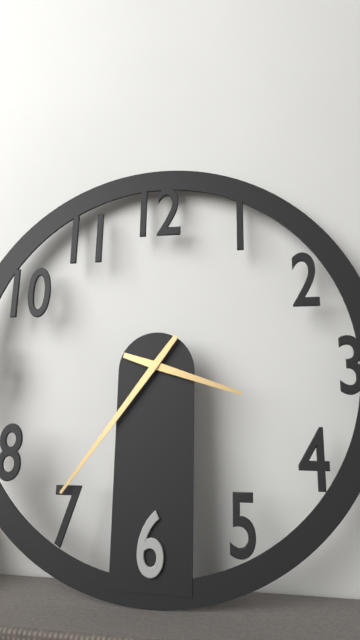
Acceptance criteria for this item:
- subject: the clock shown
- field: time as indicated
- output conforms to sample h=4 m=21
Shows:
h=3 m=36
